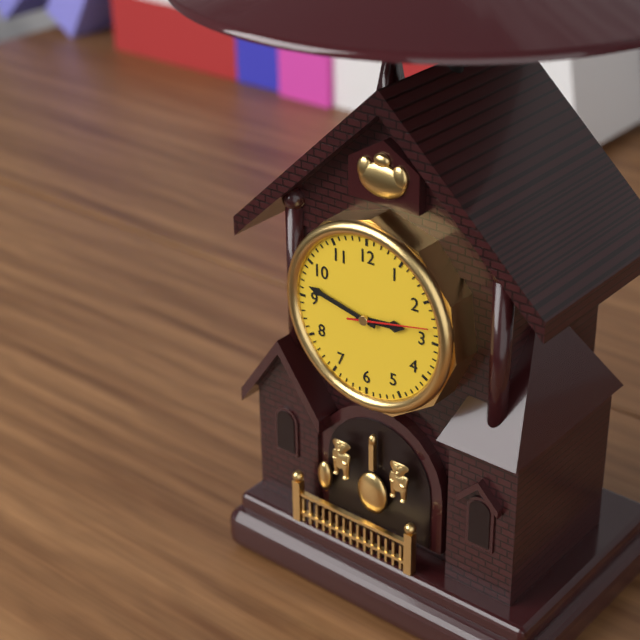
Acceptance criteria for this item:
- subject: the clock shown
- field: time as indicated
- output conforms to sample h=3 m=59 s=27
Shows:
h=2 m=47 s=13
